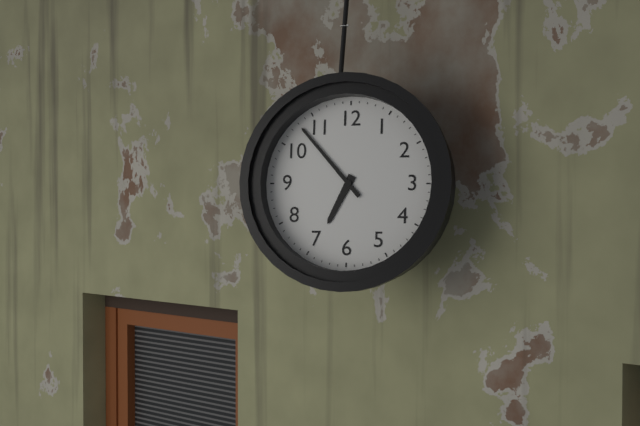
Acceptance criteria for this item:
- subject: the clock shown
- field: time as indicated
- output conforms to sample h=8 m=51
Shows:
h=6 m=53
